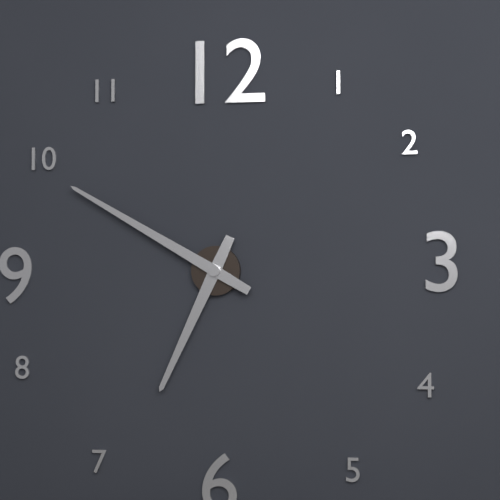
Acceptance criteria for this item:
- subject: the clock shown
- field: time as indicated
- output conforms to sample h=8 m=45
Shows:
h=6 m=50
